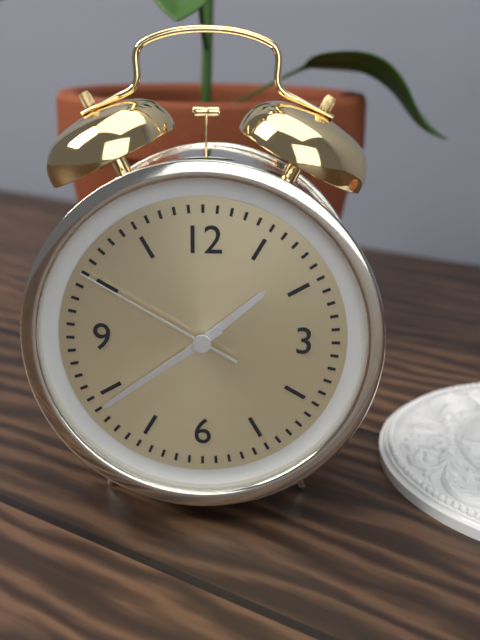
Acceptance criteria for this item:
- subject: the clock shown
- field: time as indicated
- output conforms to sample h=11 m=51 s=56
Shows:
h=1 m=39 s=50
